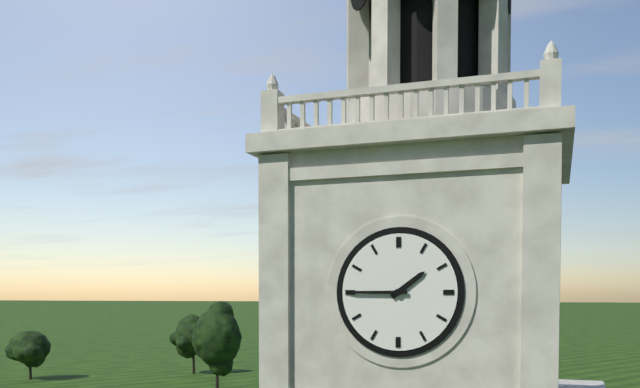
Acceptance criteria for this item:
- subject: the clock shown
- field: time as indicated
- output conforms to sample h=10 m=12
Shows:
h=1 m=45
